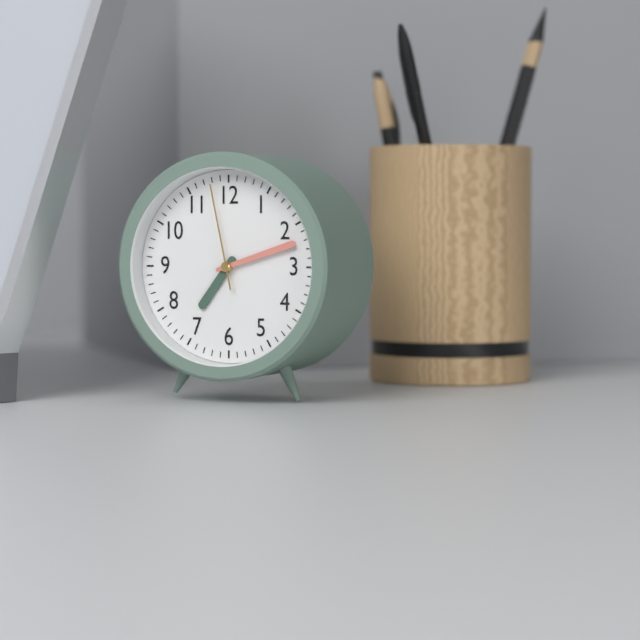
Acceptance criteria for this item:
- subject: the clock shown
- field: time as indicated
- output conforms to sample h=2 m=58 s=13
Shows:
h=7 m=12 s=58
